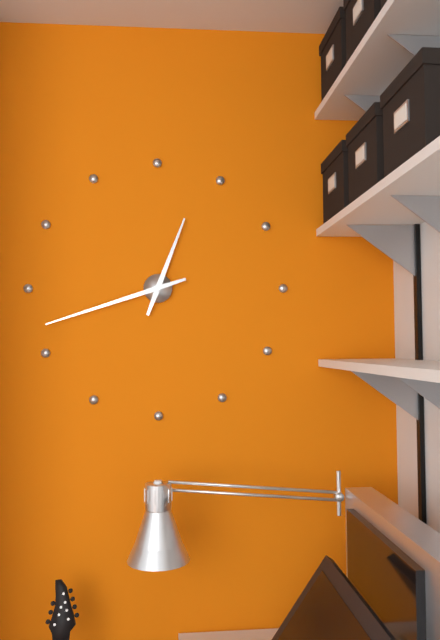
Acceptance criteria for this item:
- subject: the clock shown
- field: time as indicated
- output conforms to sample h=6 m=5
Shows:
h=12 m=42
